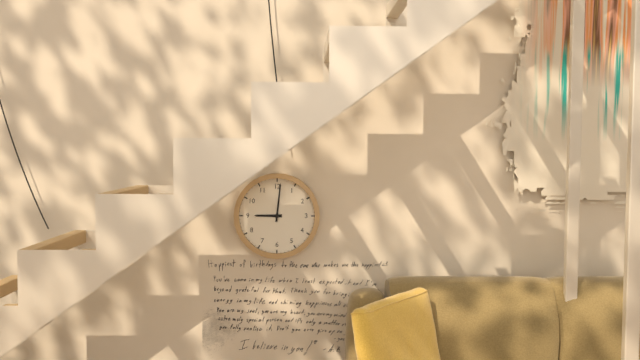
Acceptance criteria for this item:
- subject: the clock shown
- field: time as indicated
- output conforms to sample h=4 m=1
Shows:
h=9 m=1
